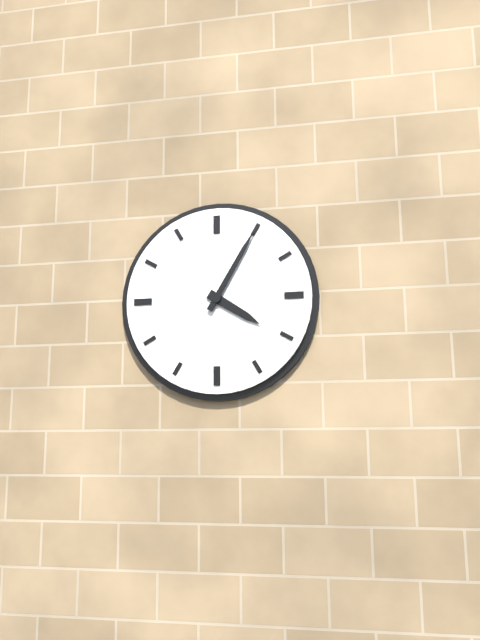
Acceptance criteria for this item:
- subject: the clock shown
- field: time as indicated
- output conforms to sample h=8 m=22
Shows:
h=4 m=5
